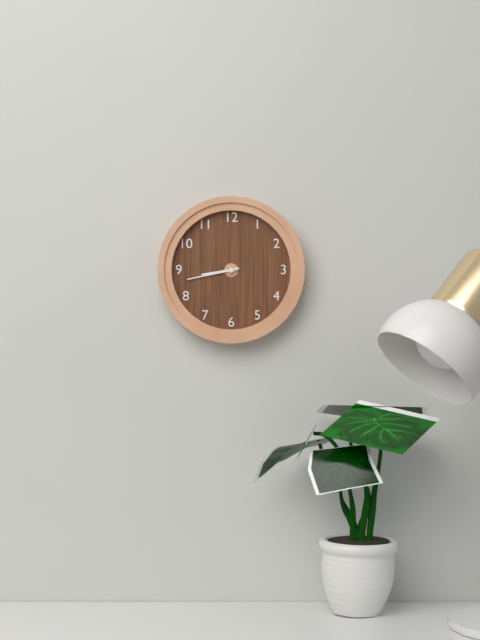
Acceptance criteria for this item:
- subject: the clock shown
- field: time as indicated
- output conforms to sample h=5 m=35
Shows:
h=8 m=43
